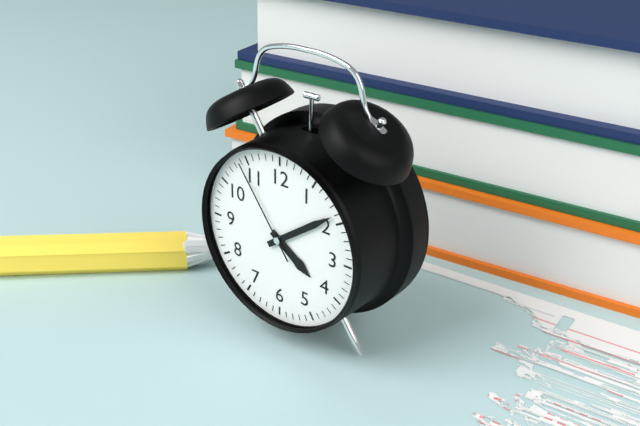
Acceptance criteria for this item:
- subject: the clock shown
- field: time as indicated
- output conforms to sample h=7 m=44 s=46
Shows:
h=4 m=9 s=54
